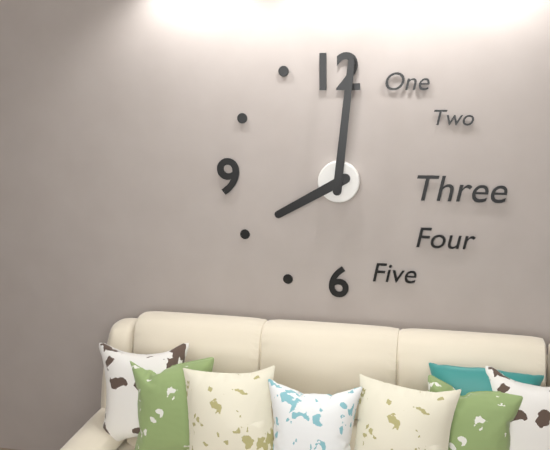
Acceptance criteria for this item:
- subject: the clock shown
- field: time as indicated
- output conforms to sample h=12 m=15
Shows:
h=8 m=1
